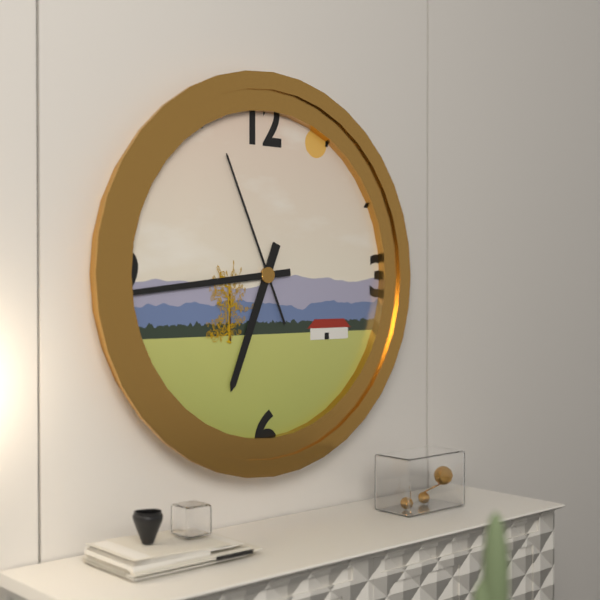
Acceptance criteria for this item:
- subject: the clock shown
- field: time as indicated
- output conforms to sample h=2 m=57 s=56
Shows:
h=6 m=44 s=56
